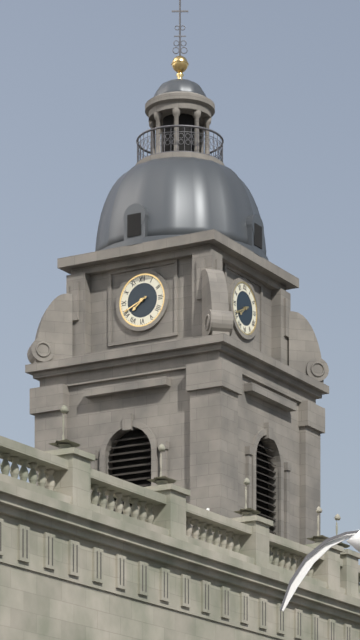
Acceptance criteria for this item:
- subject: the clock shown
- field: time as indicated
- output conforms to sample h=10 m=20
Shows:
h=7 m=41
